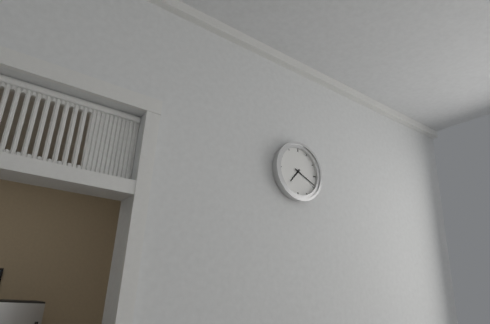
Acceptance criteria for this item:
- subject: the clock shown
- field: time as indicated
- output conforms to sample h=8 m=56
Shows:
h=7 m=19
